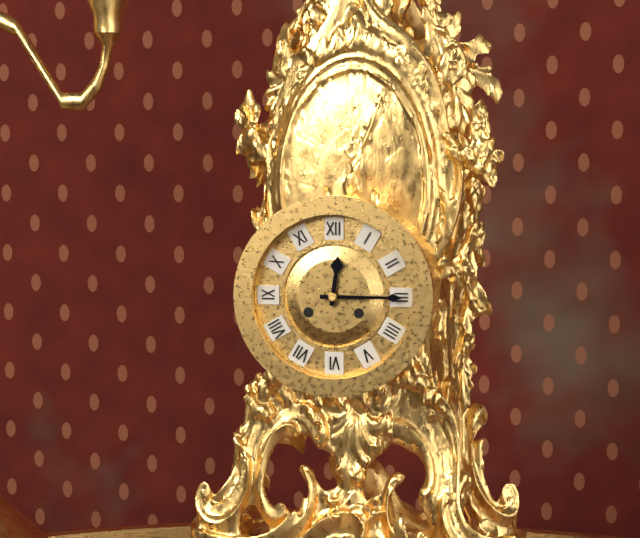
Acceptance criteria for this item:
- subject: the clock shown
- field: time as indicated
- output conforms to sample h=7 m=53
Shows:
h=12 m=15
